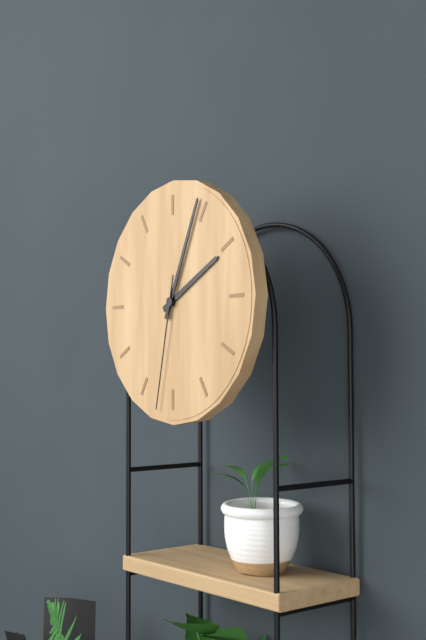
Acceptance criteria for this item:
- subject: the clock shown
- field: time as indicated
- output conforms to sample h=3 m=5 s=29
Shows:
h=2 m=4 s=32
